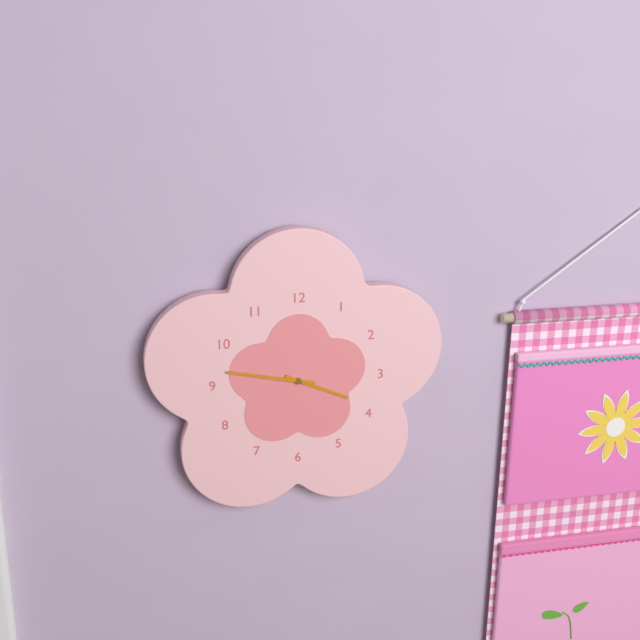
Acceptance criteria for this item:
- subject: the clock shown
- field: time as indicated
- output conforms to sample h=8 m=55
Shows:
h=3 m=47
